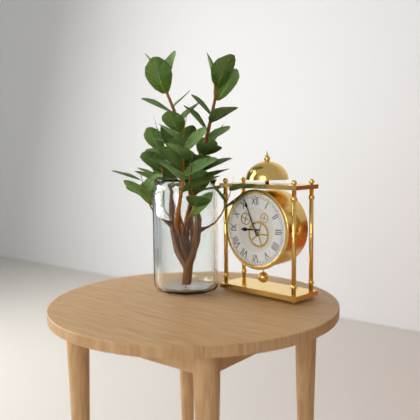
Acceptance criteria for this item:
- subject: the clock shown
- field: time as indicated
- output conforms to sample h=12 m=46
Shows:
h=8 m=56
